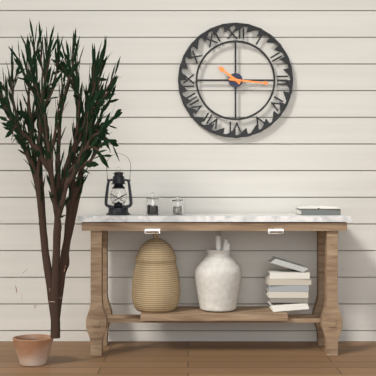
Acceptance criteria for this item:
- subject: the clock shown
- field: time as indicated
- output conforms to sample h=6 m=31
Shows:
h=10 m=16
